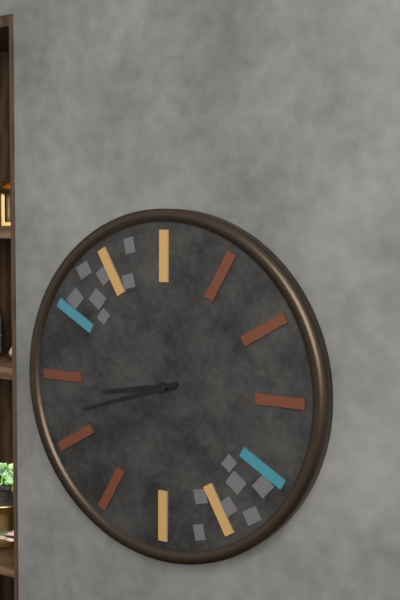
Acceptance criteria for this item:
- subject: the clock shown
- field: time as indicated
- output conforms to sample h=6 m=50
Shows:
h=8 m=42
